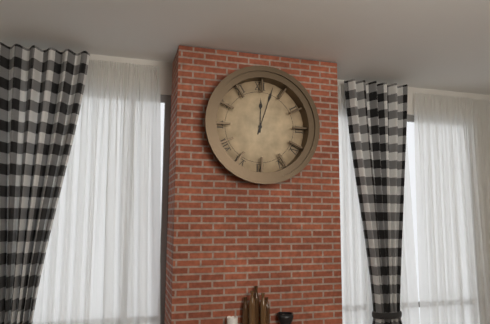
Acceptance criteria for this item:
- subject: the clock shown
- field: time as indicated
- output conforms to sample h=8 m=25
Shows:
h=12 m=3
